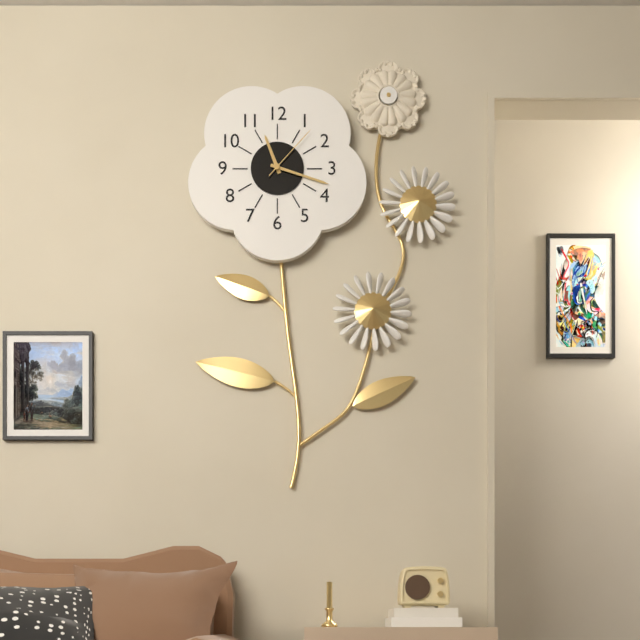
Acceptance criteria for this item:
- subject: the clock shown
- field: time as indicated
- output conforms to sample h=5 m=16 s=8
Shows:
h=11 m=18 s=7
